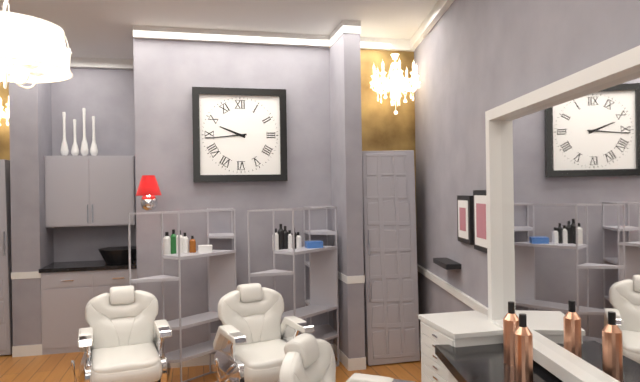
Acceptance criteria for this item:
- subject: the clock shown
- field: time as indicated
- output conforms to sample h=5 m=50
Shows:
h=9 m=44
